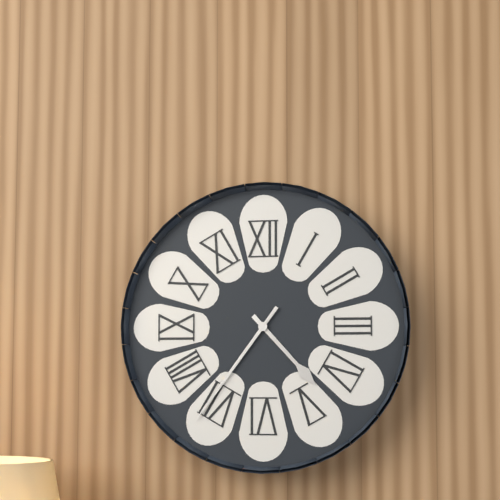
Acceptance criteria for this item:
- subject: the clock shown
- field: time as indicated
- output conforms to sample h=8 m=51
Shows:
h=4 m=36
